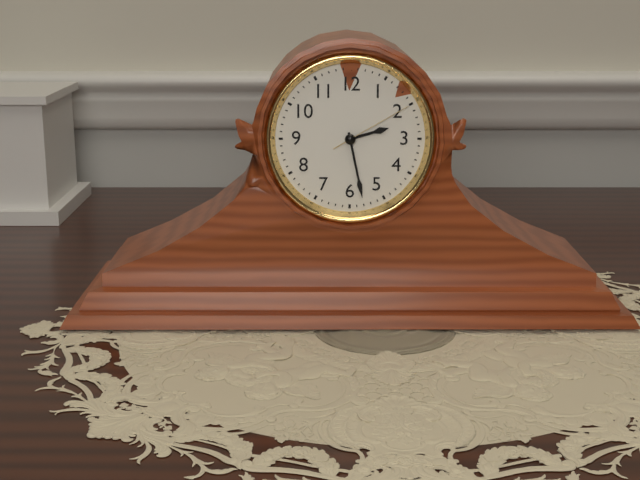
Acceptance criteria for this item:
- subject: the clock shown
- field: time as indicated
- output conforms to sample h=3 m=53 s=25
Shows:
h=2 m=28 s=10
